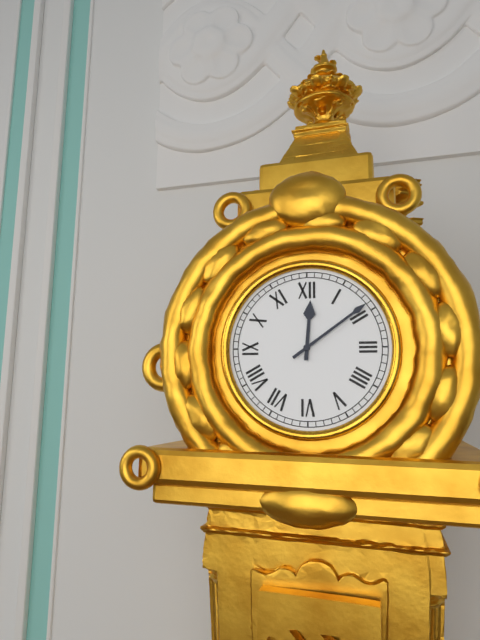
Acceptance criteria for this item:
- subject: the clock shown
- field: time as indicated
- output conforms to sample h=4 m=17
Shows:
h=12 m=9
